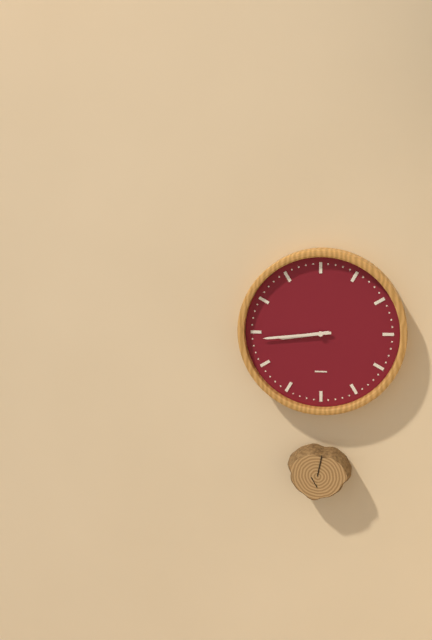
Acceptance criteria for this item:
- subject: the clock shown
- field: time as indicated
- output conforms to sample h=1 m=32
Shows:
h=8 m=44
